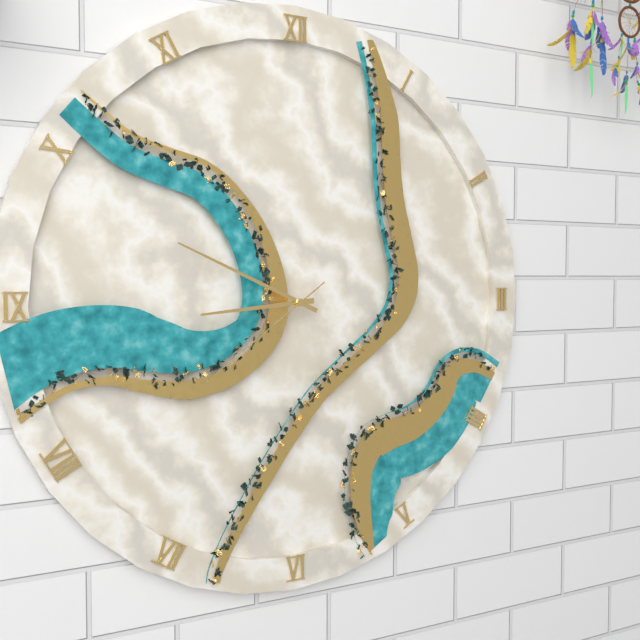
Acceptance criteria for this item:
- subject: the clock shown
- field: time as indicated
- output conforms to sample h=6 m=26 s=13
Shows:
h=8 m=49 s=39
